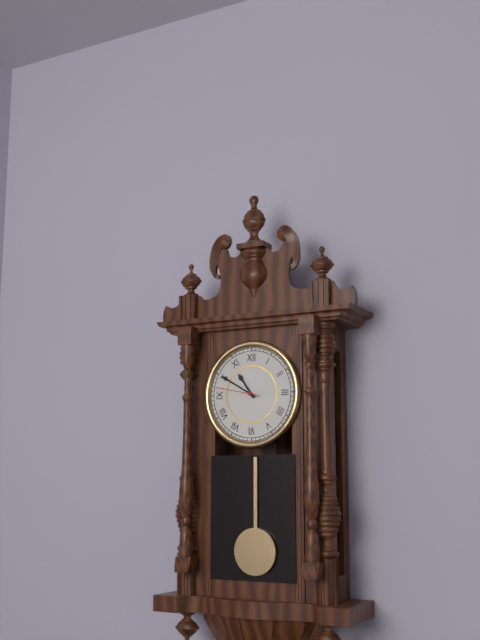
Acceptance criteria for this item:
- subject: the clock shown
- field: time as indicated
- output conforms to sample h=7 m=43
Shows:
h=10 m=50
